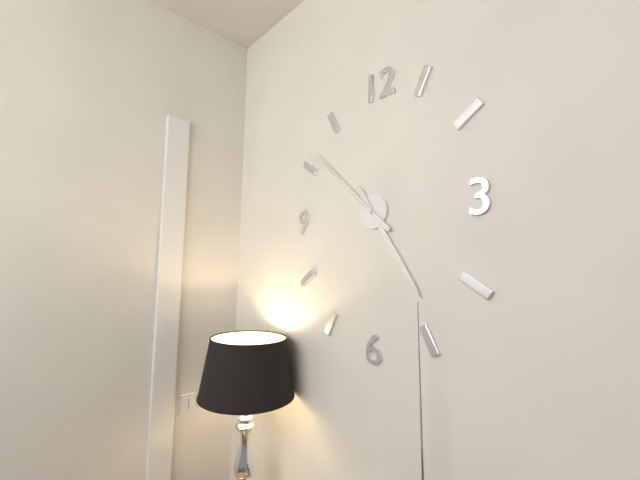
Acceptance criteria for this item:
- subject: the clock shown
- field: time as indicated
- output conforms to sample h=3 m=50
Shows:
h=4 m=52
